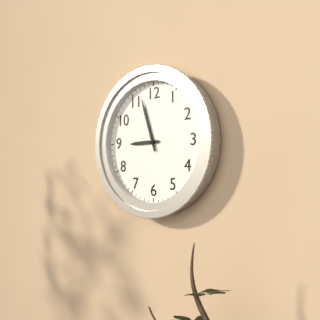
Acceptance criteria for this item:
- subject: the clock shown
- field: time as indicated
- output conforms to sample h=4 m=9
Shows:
h=8 m=57
